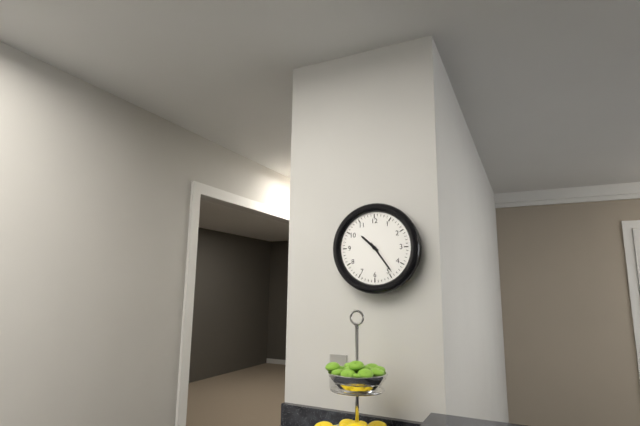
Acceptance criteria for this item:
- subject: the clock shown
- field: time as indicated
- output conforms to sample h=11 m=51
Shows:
h=10 m=24
